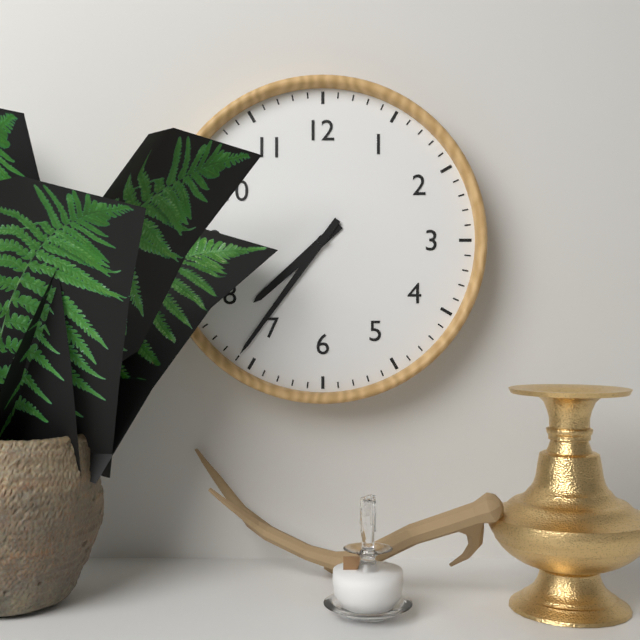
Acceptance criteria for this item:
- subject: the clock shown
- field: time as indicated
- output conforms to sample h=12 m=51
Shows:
h=7 m=36
